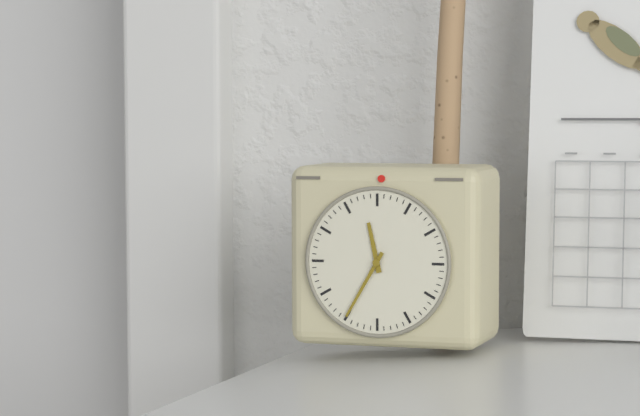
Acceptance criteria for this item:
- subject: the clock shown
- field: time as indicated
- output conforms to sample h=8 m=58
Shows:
h=11 m=35
